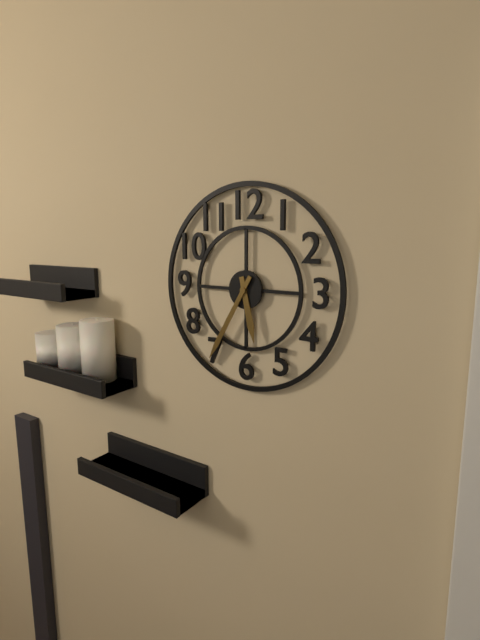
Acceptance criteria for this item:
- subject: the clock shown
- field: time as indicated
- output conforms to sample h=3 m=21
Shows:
h=5 m=35
